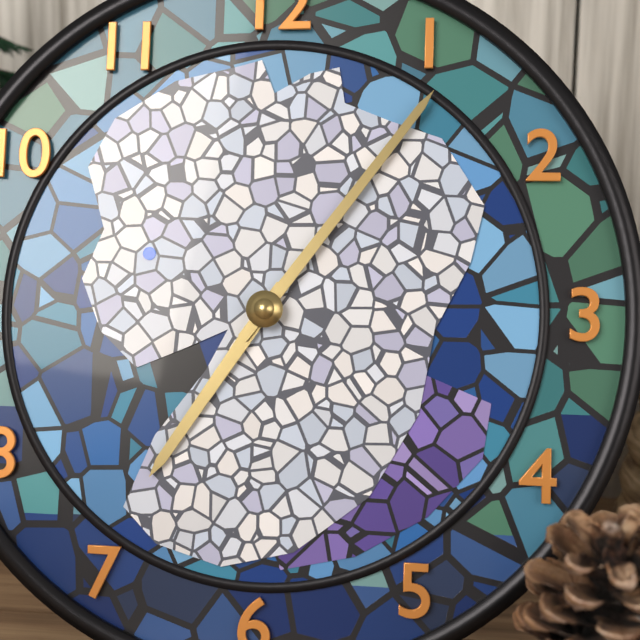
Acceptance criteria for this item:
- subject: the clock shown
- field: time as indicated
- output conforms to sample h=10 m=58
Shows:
h=7 m=6
